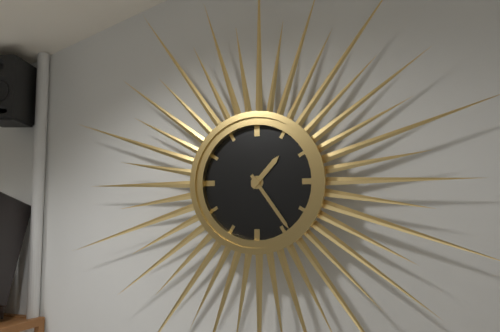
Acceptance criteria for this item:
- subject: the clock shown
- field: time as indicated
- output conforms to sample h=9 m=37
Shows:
h=1 m=24
